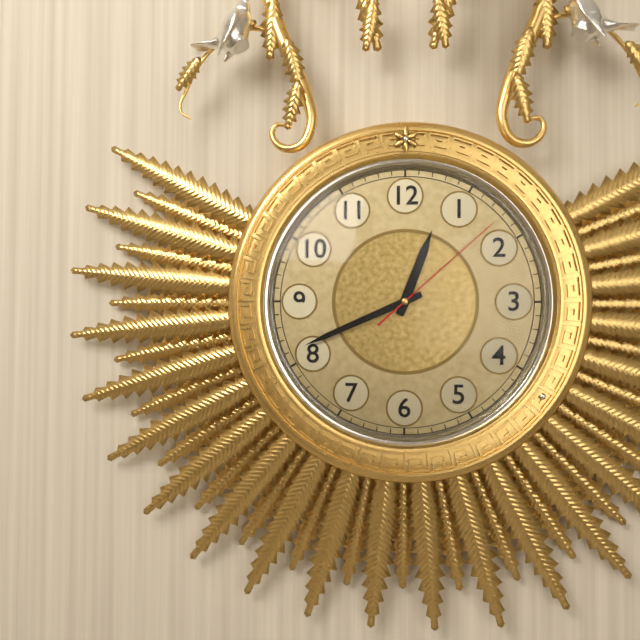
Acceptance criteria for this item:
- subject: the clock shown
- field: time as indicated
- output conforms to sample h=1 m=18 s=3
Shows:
h=12 m=41 s=8
